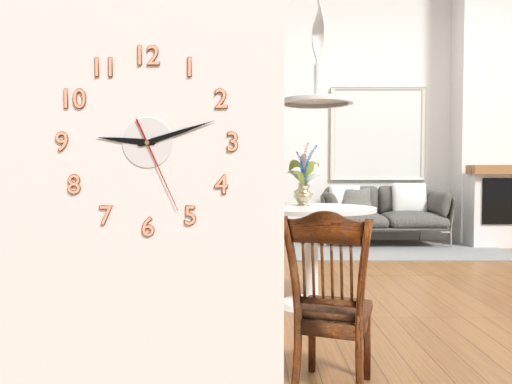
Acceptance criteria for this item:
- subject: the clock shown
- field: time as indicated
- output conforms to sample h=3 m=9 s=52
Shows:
h=9 m=12 s=26
